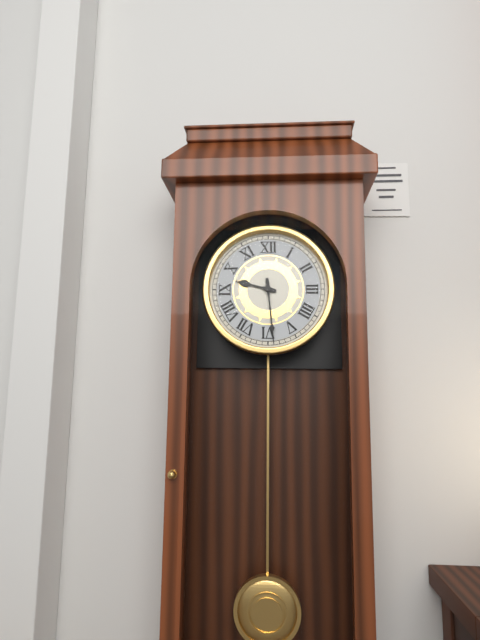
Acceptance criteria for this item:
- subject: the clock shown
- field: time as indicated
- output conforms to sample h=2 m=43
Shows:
h=9 m=29
